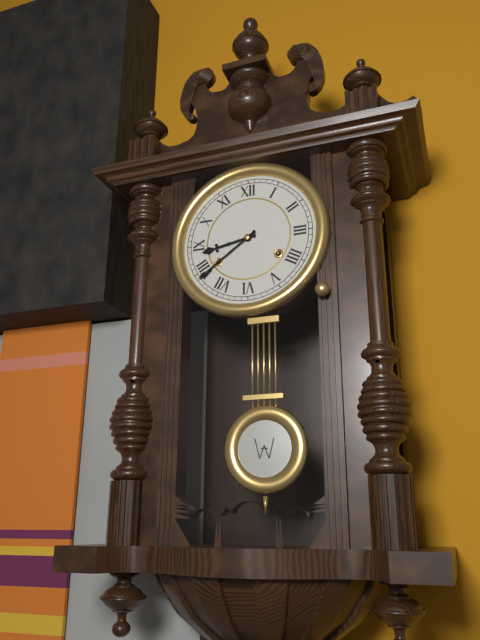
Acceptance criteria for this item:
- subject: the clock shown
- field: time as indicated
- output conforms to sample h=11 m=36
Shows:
h=8 m=39
